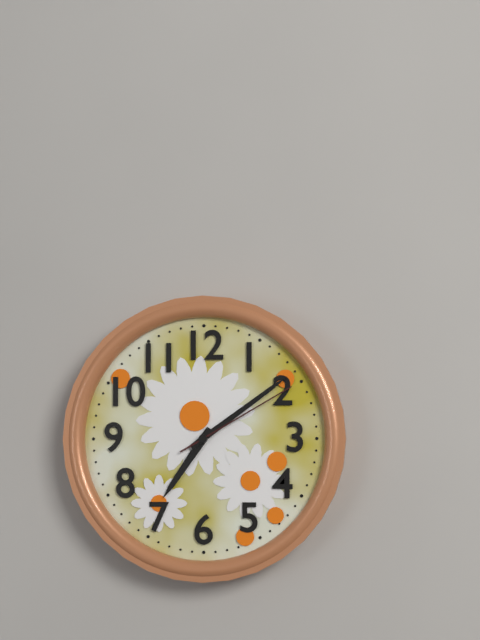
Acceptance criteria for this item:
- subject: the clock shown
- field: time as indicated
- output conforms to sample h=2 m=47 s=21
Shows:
h=7 m=9 s=10
